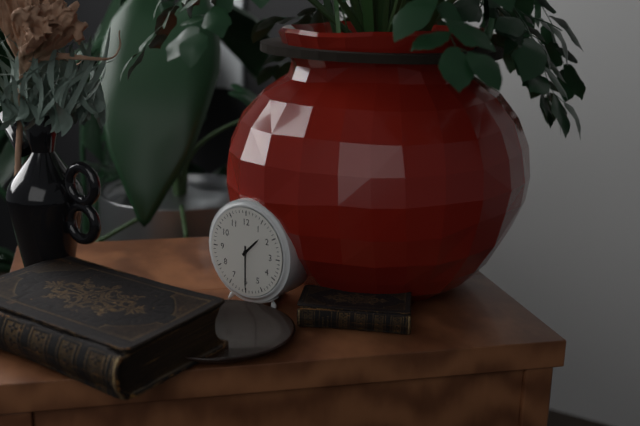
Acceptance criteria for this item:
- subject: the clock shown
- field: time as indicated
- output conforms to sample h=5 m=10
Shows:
h=1 m=30
